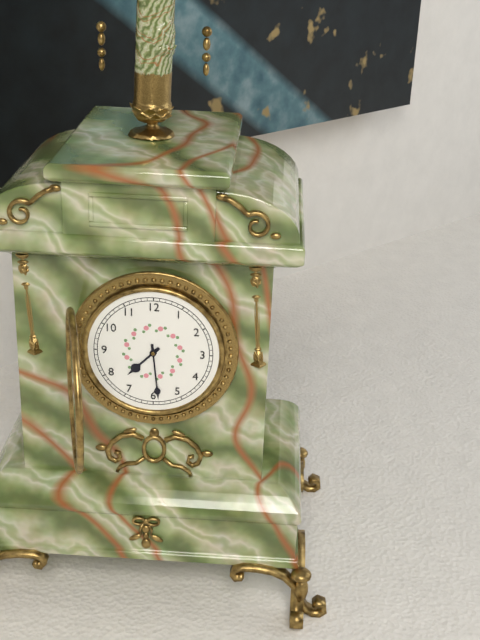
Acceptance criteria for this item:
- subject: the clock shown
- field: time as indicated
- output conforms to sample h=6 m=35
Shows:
h=7 m=29
